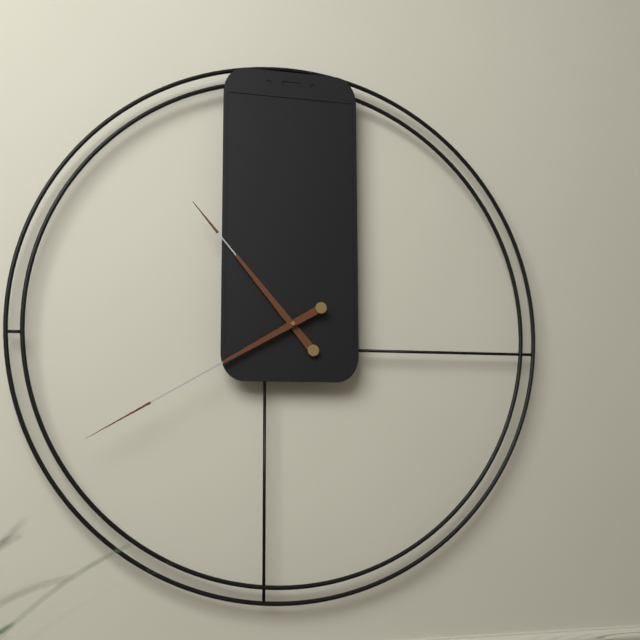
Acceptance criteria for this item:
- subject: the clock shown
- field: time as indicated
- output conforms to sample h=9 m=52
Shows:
h=10 m=40
